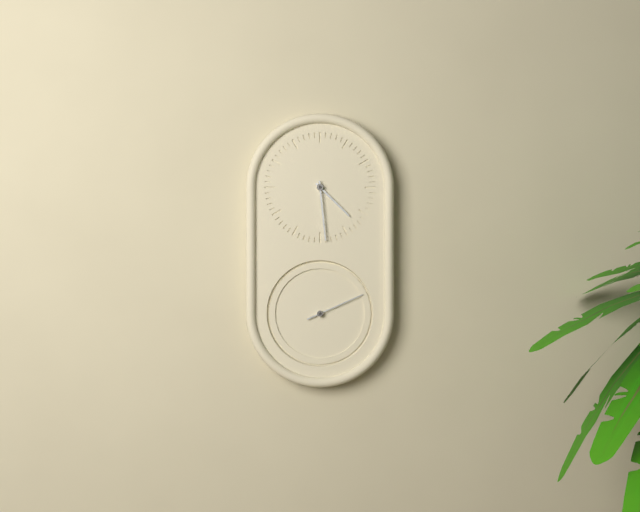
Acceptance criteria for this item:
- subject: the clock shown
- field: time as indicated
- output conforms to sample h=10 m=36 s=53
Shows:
h=4 m=29 s=11
